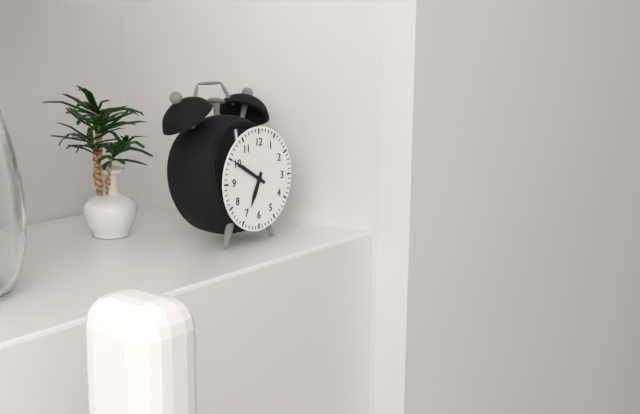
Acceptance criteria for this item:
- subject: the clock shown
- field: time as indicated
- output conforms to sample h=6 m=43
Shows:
h=6 m=50
